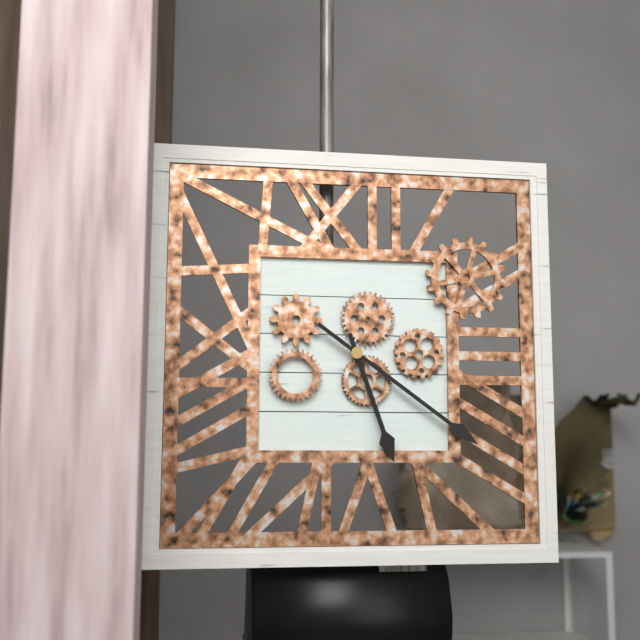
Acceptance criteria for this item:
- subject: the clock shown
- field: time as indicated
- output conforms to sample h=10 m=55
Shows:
h=5 m=21
